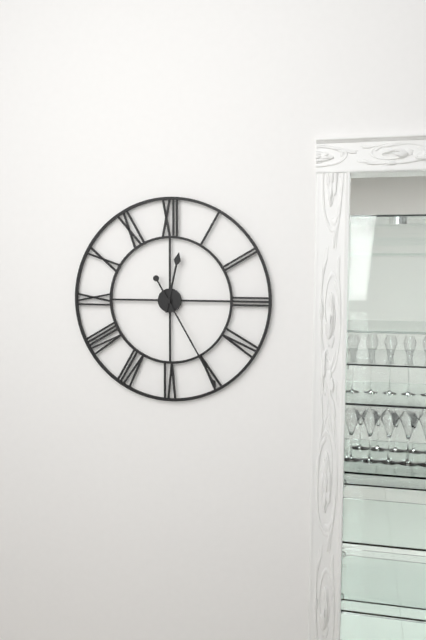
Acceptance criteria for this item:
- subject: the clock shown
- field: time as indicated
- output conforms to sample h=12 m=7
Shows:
h=12 m=25
